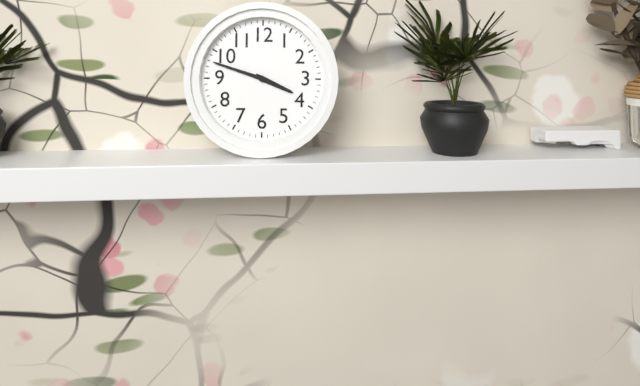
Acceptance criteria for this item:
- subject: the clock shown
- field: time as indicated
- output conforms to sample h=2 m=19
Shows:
h=3 m=48
